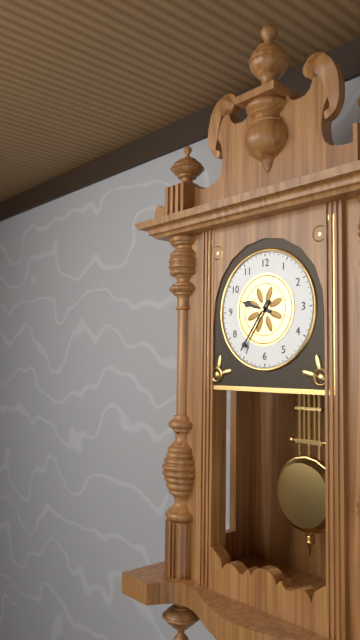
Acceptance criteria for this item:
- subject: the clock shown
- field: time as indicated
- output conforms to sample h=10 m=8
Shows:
h=9 m=36
